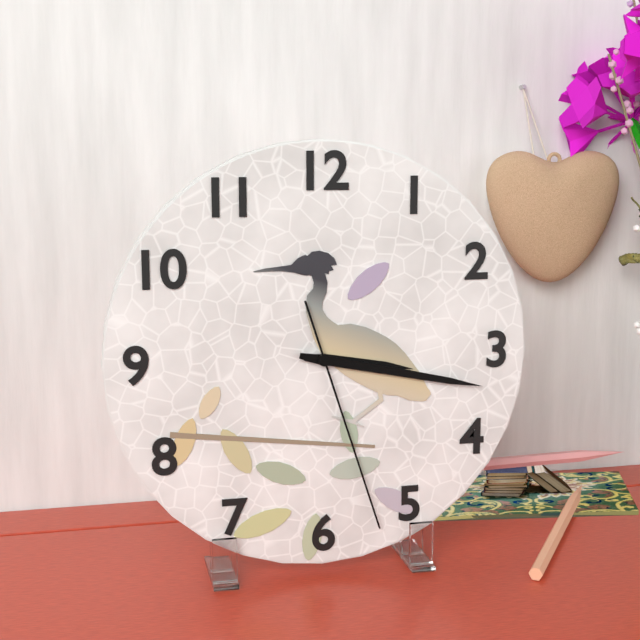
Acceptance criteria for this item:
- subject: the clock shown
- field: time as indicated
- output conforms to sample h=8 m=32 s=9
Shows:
h=3 m=17 s=27
